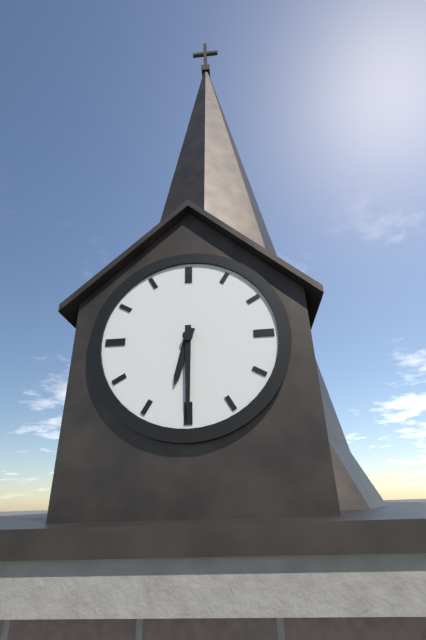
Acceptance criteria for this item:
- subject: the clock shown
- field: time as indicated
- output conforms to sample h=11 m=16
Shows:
h=6 m=30
